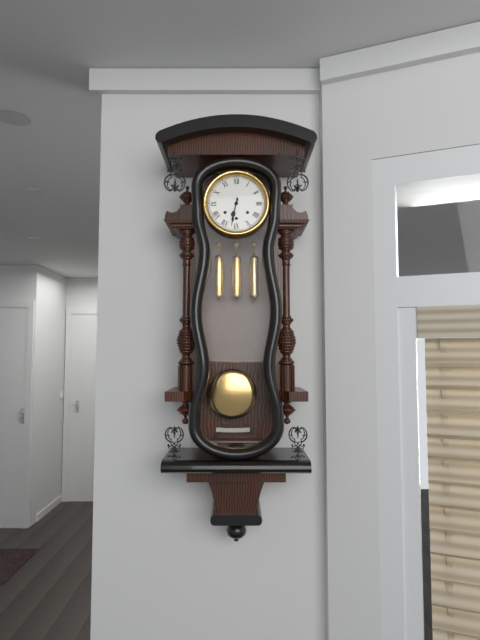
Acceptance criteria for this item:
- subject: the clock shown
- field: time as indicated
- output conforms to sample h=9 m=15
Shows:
h=6 m=32
